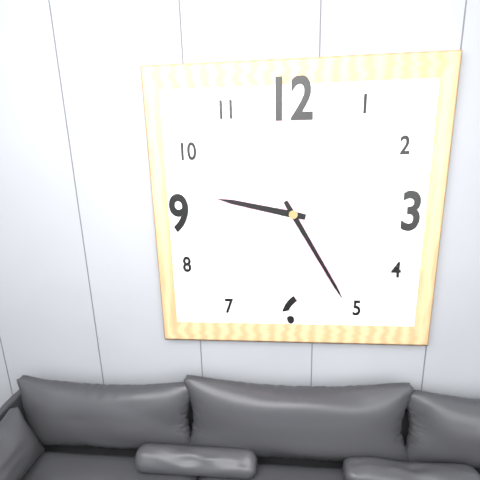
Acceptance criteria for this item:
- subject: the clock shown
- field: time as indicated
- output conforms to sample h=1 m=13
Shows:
h=9 m=25
